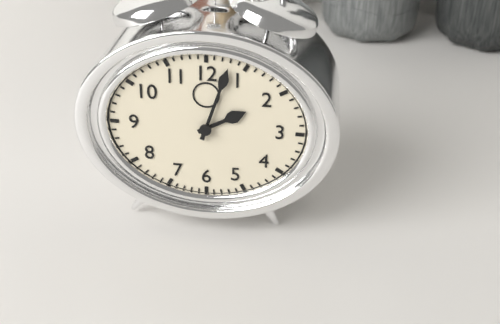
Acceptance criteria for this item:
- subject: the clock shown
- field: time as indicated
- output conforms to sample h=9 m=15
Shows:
h=2 m=3
